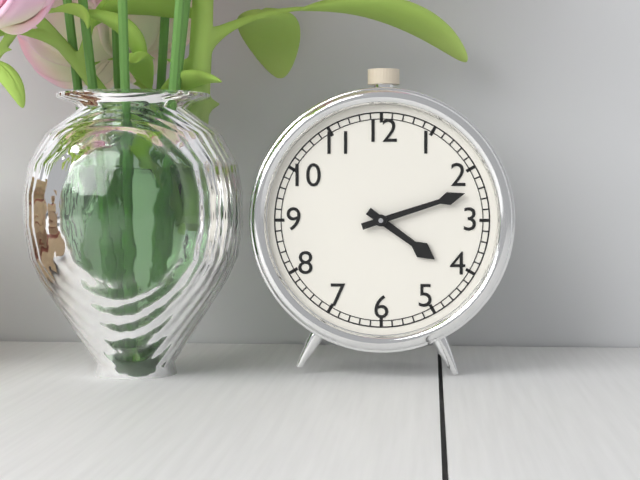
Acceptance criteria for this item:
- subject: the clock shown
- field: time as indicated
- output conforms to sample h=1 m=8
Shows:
h=4 m=12
